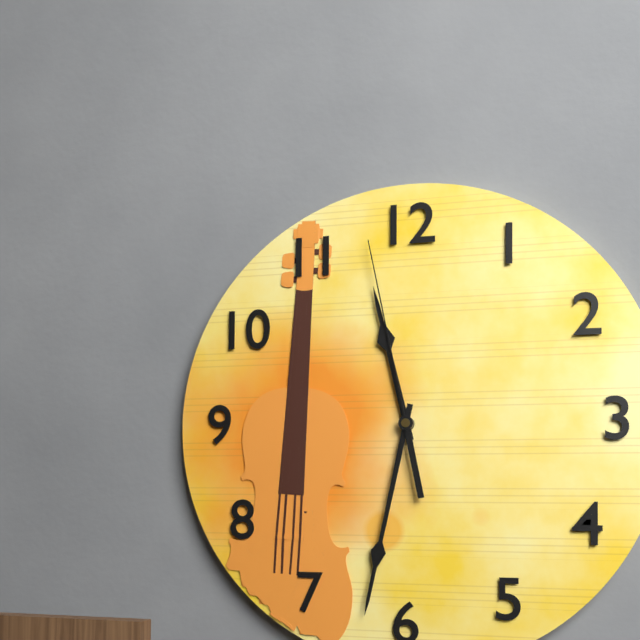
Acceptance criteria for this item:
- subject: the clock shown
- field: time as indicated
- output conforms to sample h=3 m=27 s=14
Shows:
h=11 m=32 s=58
